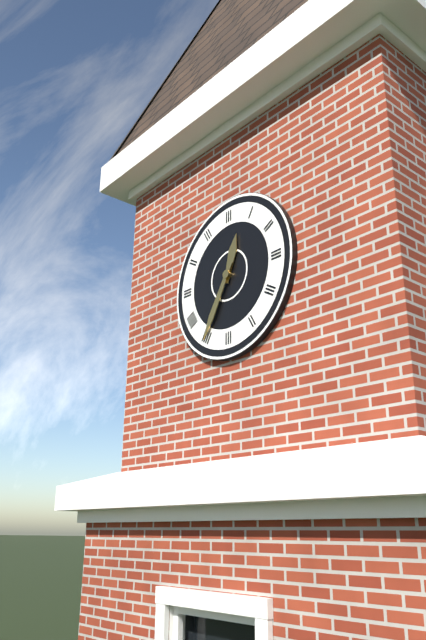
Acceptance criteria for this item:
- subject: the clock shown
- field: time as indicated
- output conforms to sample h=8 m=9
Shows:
h=12 m=35
